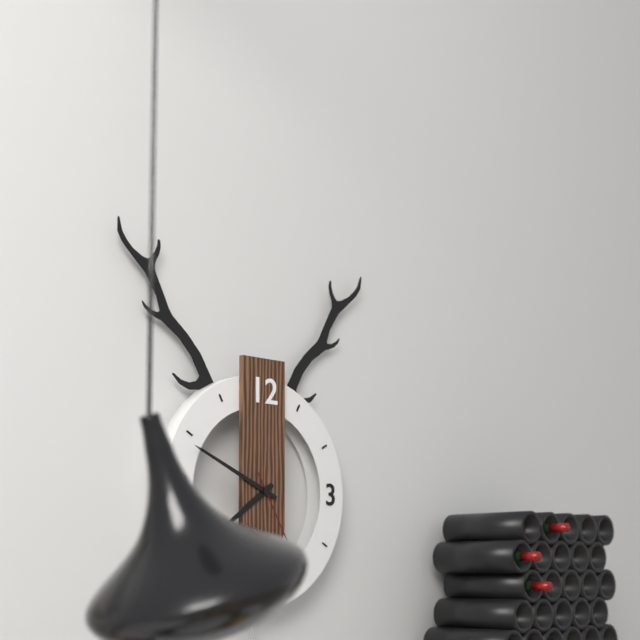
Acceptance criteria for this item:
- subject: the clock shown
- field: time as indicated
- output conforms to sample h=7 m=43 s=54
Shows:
h=7 m=49 s=25
